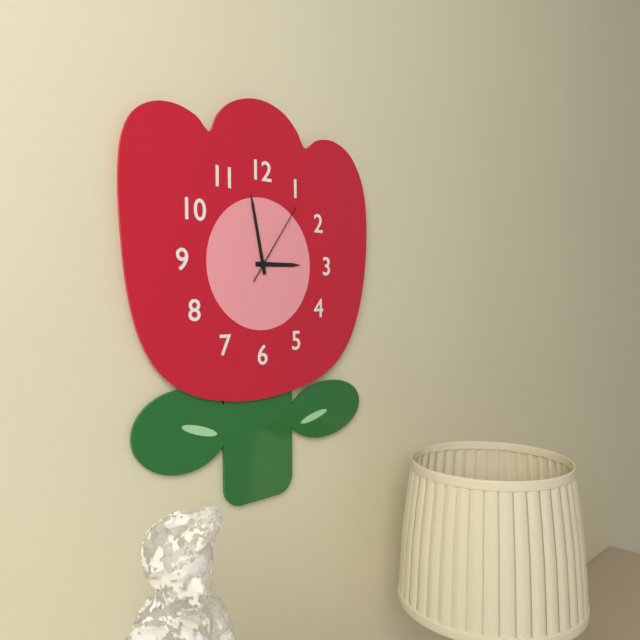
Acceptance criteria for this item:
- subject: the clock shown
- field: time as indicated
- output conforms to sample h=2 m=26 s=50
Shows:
h=2 m=58 s=6
